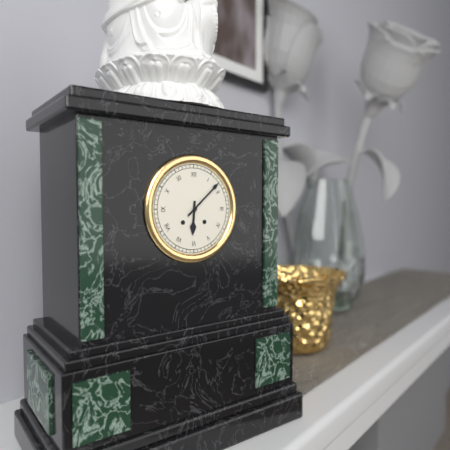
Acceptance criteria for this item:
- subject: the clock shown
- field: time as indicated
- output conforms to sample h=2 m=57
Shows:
h=6 m=8
